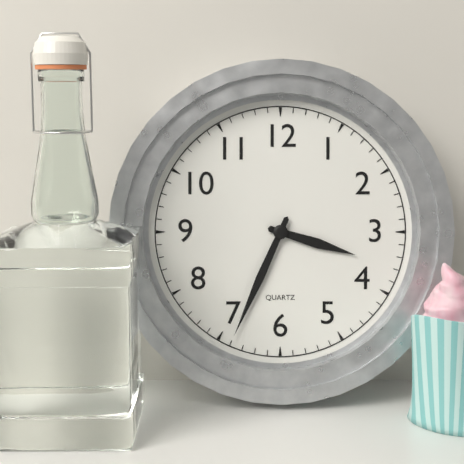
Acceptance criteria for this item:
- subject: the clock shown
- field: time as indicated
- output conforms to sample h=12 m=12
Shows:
h=3 m=34
